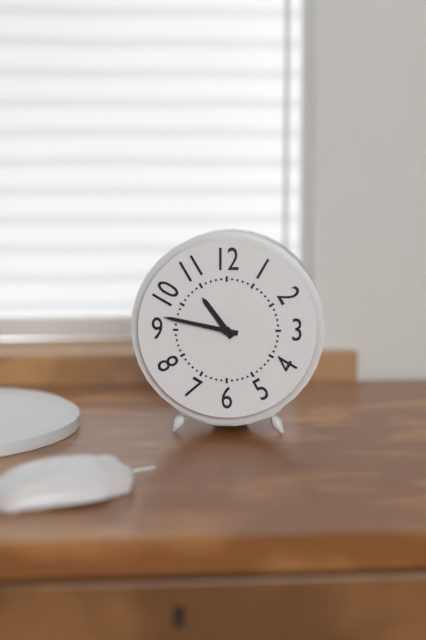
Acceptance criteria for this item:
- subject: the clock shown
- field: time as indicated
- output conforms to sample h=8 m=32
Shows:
h=10 m=47
